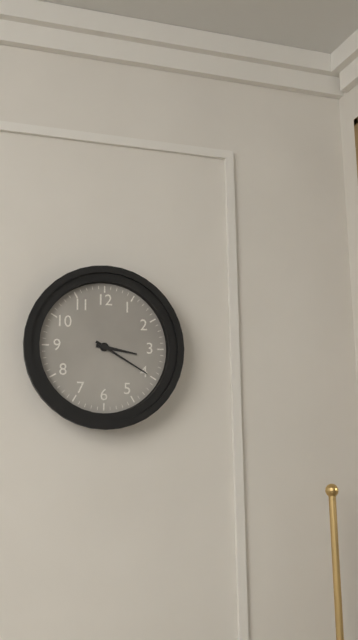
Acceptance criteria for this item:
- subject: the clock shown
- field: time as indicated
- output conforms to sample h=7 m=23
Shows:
h=3 m=20
